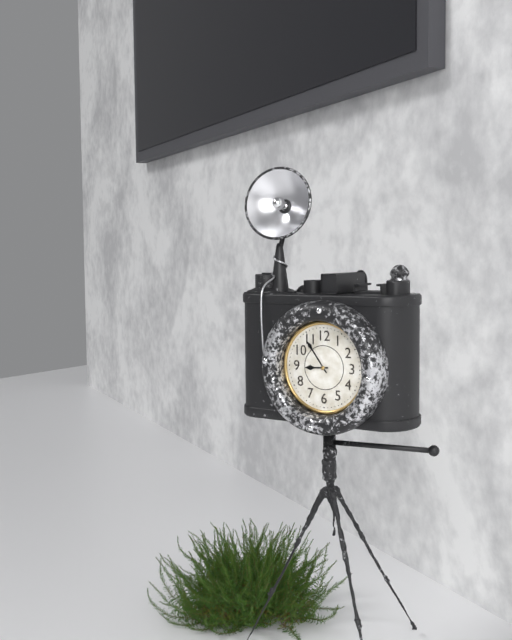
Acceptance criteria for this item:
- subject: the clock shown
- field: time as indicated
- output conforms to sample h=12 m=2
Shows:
h=8 m=54
